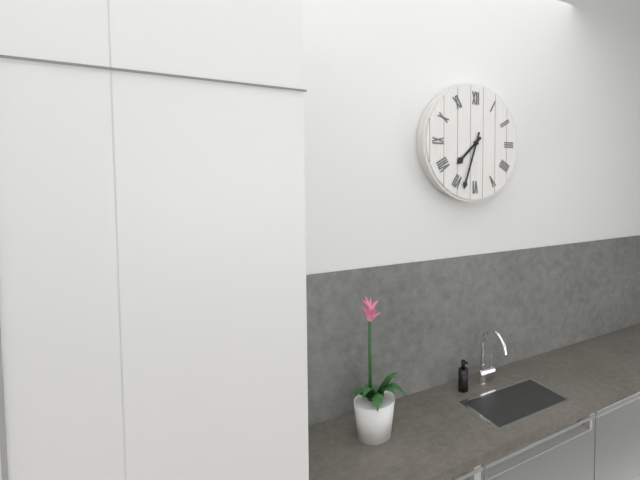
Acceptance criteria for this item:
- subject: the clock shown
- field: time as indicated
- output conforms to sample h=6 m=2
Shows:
h=7 m=33
